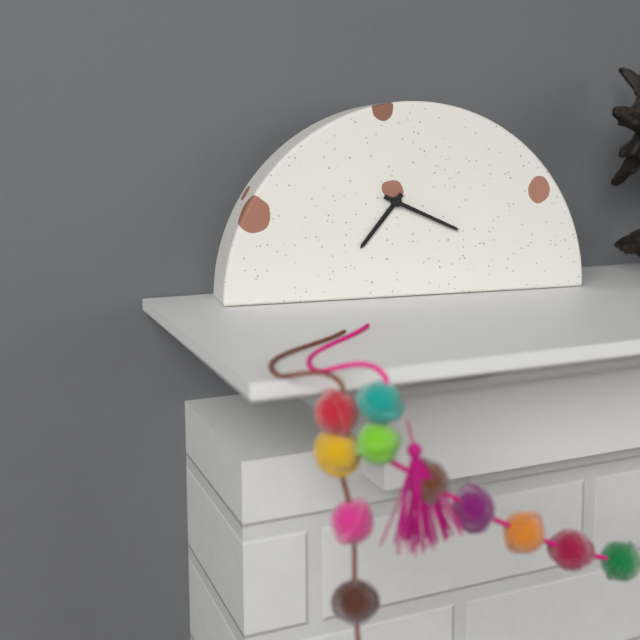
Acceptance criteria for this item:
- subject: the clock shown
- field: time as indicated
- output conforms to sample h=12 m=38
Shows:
h=7 m=19
